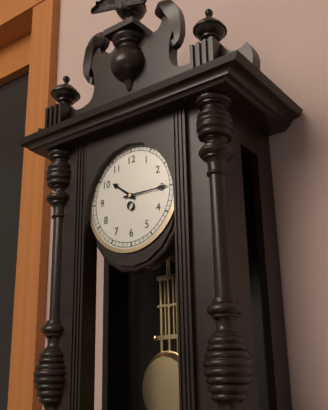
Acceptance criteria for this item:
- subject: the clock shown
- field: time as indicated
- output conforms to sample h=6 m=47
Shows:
h=10 m=15
